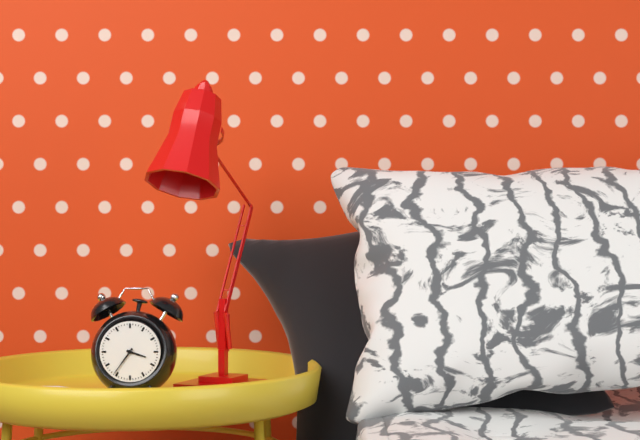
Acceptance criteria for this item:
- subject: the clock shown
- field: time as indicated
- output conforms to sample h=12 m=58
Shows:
h=3 m=36
